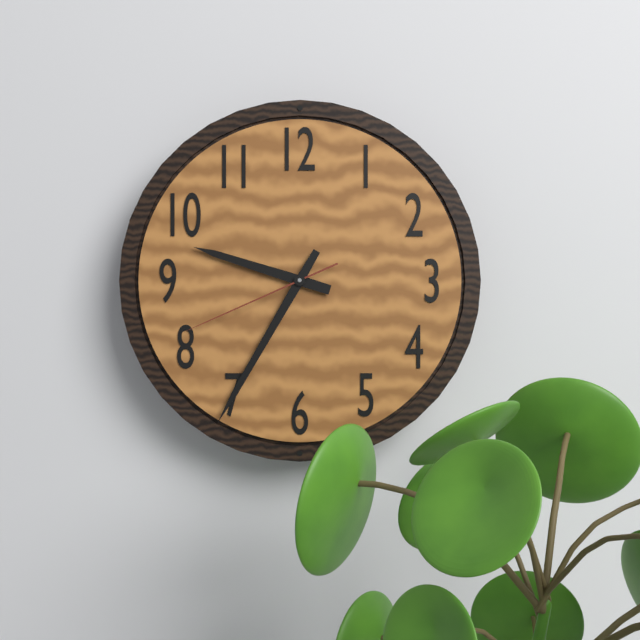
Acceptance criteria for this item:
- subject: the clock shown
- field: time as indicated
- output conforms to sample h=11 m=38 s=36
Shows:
h=9 m=35 s=41
